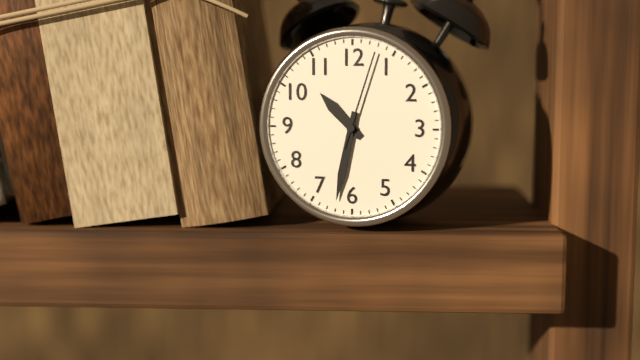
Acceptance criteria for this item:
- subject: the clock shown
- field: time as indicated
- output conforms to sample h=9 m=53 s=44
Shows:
h=10 m=32 s=3
